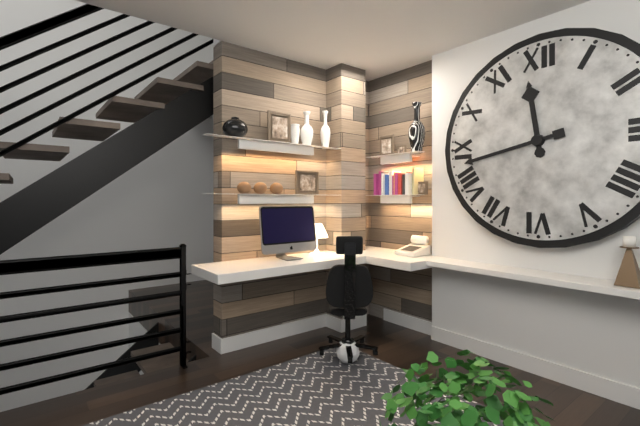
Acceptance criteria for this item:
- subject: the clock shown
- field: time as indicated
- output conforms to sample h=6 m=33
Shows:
h=11 m=43
